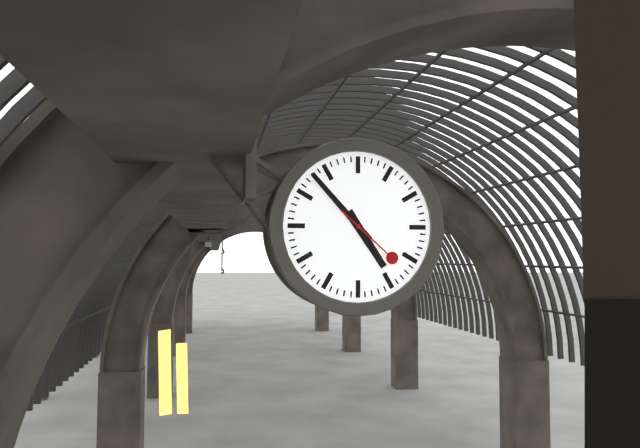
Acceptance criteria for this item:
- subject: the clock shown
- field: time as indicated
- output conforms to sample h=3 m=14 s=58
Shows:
h=4 m=53 s=22
